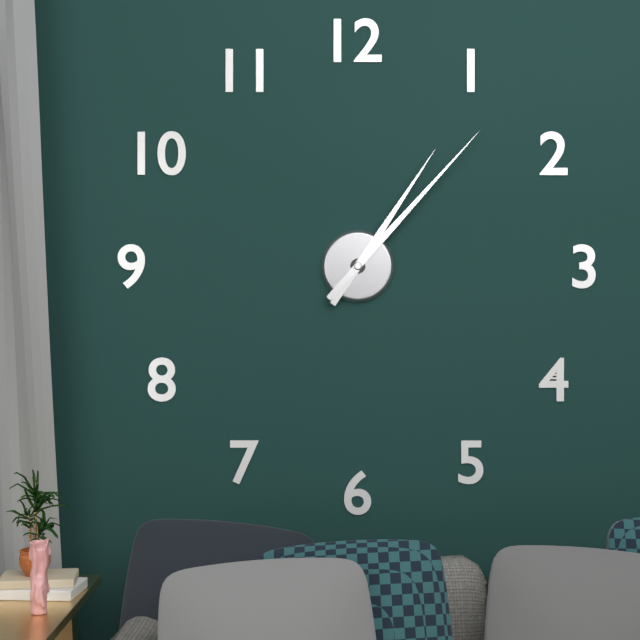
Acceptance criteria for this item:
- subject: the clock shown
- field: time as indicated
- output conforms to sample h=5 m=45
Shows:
h=1 m=7
